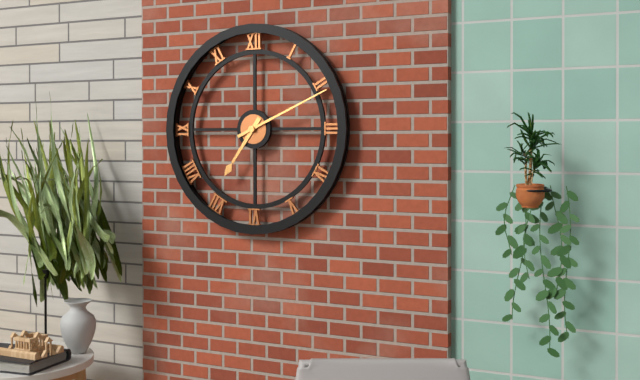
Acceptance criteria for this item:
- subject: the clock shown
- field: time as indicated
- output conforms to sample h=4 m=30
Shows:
h=7 m=11
